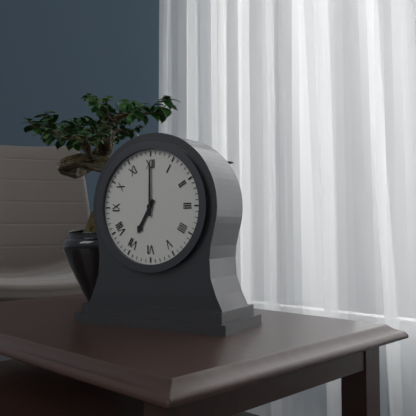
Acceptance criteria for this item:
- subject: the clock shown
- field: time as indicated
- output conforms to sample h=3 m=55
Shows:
h=7 m=0
